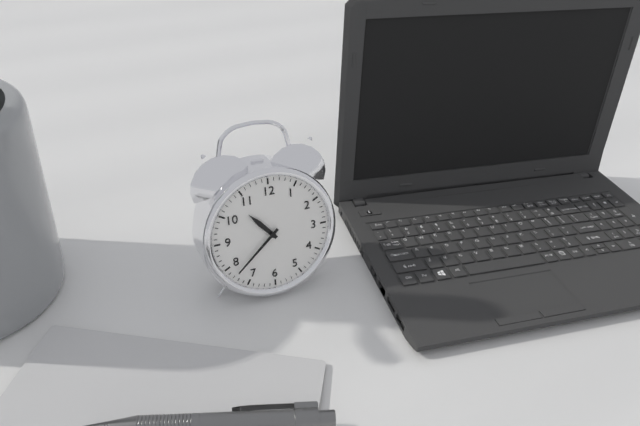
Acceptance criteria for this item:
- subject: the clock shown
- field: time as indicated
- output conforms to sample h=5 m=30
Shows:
h=10 m=38
